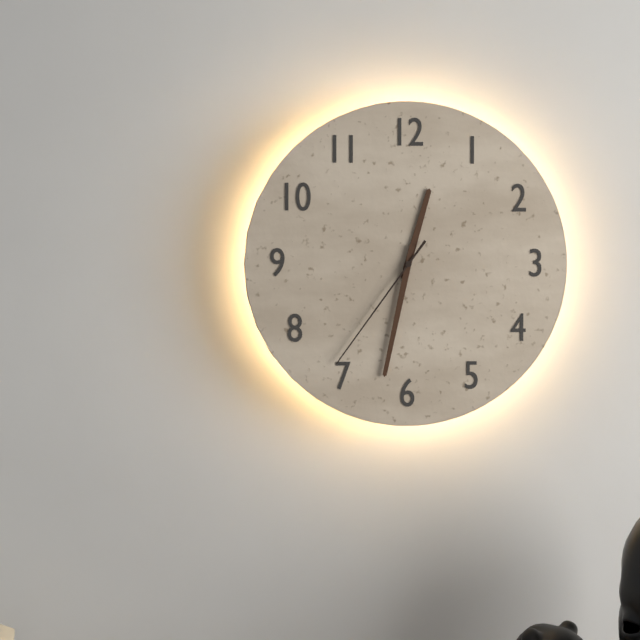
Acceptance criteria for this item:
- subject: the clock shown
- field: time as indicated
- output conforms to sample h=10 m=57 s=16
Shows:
h=12 m=32 s=36
